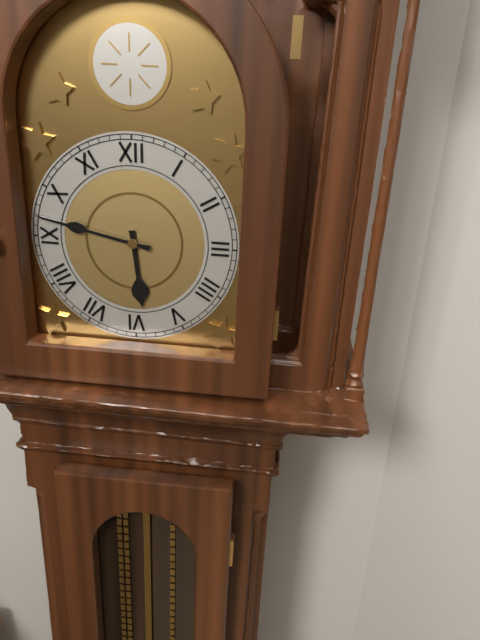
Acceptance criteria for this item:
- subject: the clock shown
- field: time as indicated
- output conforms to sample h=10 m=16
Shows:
h=5 m=47
